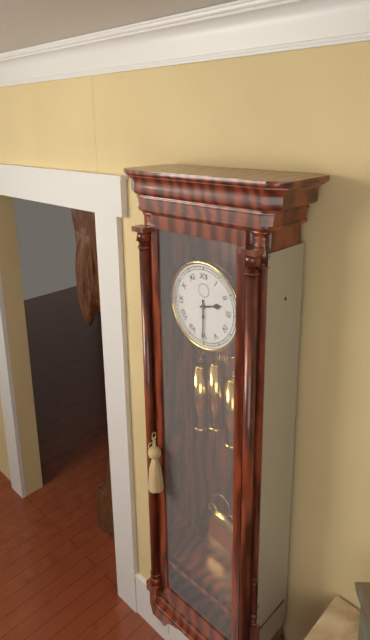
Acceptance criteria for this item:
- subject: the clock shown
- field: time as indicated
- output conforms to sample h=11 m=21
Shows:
h=2 m=30
